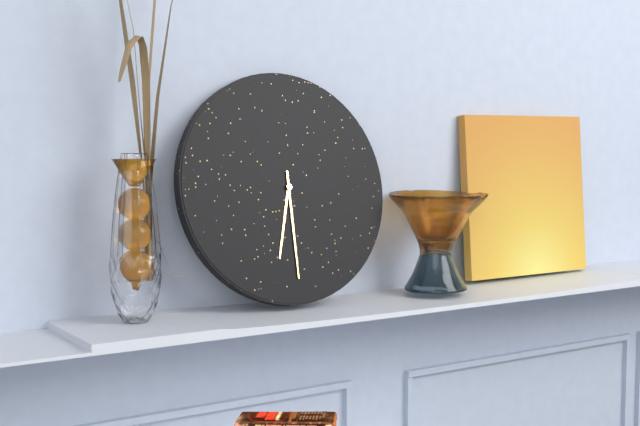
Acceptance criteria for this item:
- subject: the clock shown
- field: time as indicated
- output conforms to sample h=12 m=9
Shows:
h=6 m=30
